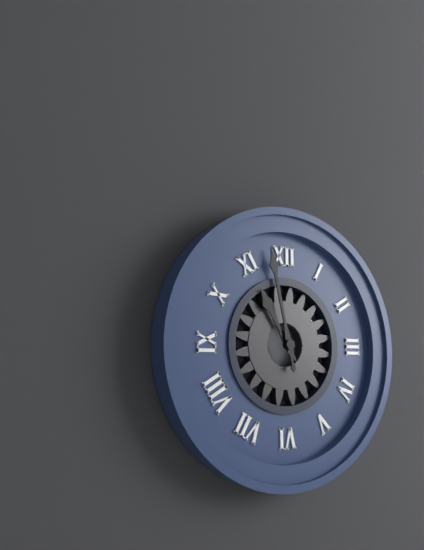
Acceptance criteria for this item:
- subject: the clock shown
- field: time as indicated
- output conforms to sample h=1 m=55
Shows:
h=10 m=58
